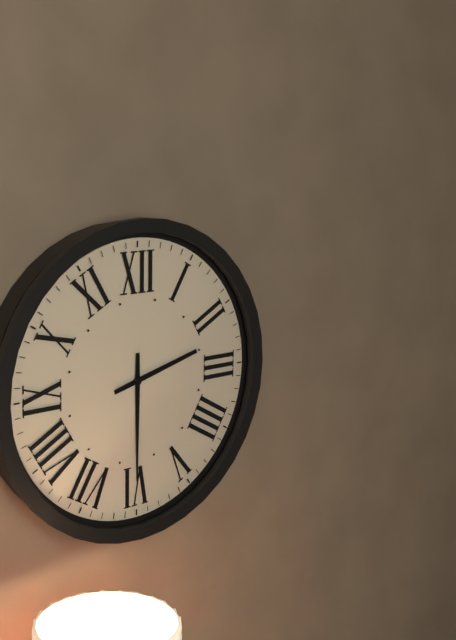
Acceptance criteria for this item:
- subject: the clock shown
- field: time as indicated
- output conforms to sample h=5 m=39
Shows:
h=2 m=30
